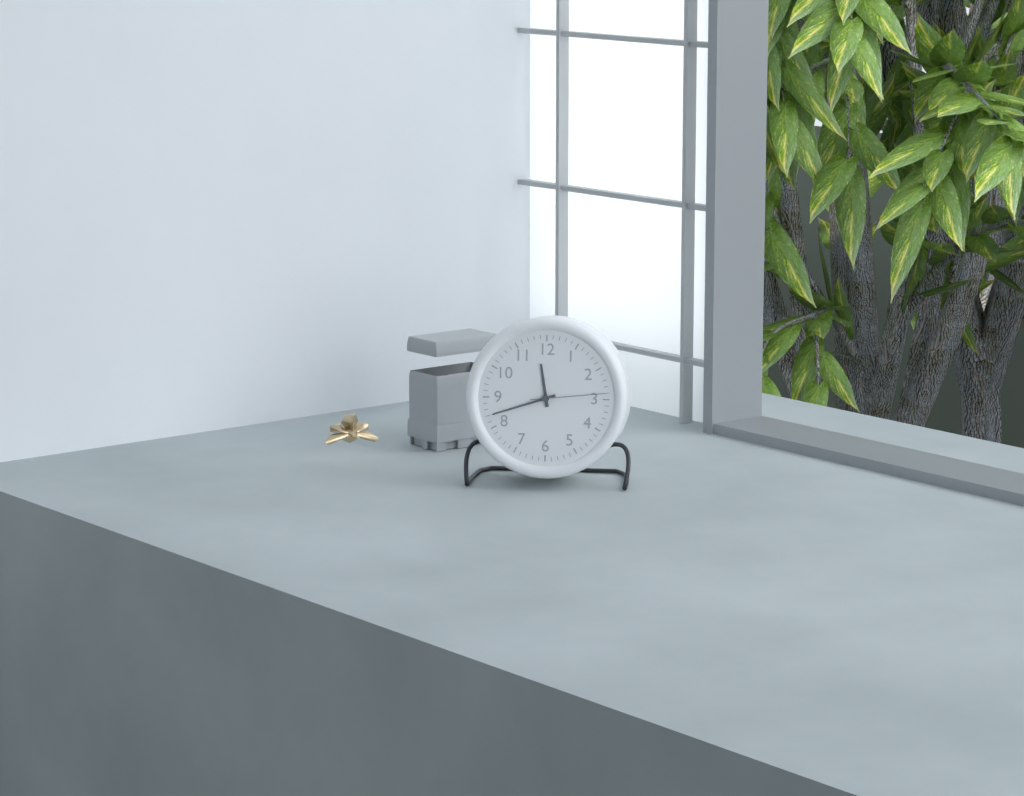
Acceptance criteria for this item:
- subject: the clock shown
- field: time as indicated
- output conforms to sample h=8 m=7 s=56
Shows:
h=11 m=42 s=14
